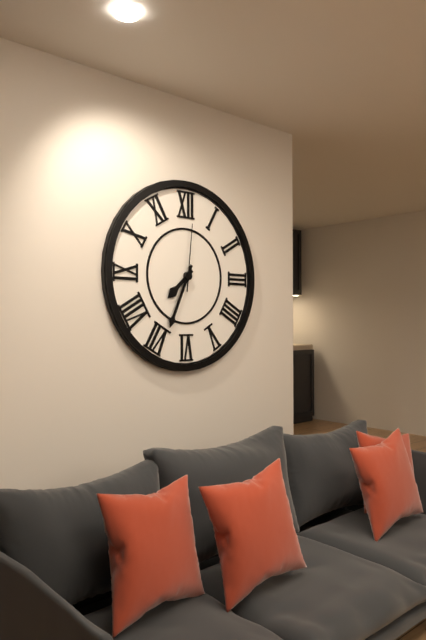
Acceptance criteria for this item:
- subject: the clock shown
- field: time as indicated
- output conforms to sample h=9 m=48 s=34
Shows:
h=7 m=34 s=1
